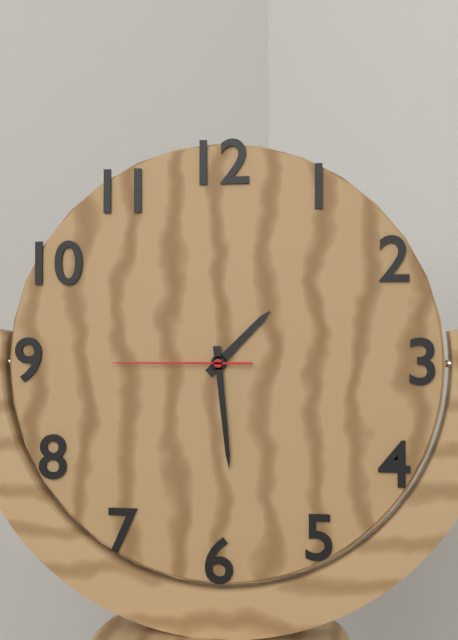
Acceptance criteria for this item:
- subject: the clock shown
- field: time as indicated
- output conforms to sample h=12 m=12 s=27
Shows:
h=1 m=29 s=45
